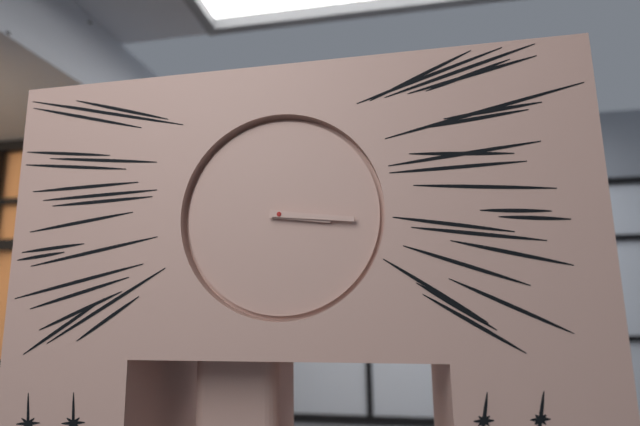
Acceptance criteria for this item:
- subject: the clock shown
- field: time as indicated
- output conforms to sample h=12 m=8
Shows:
h=3 m=16
